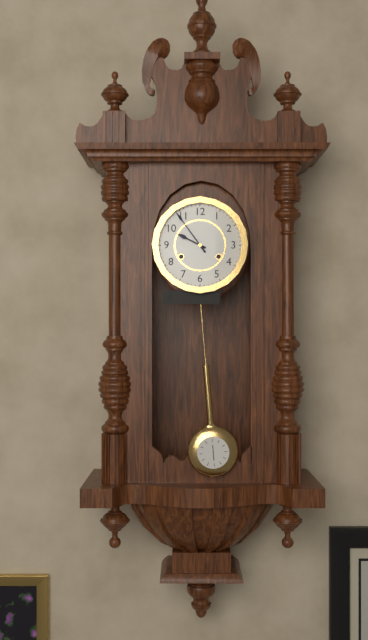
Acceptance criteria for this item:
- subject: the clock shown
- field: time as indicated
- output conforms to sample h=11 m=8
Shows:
h=9 m=54
